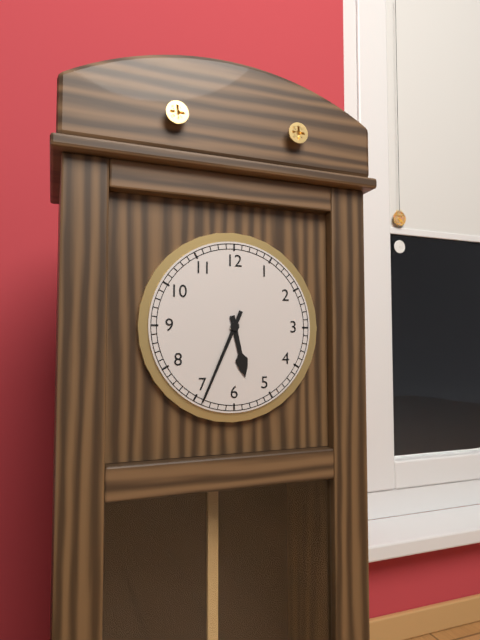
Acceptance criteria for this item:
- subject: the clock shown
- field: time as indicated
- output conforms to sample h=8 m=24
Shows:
h=5 m=34
